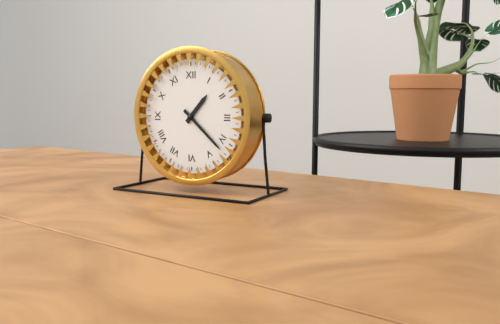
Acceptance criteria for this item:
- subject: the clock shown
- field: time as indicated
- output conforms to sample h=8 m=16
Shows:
h=1 m=22
